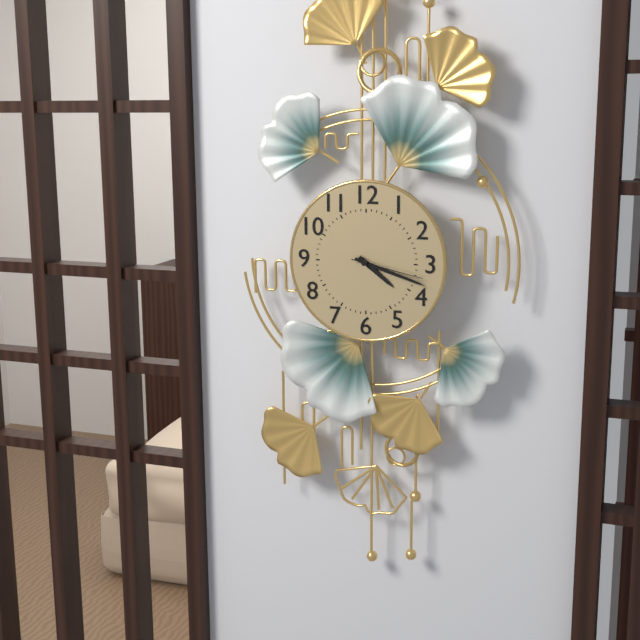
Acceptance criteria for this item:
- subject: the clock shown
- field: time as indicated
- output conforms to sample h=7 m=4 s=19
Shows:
h=4 m=18 s=17
